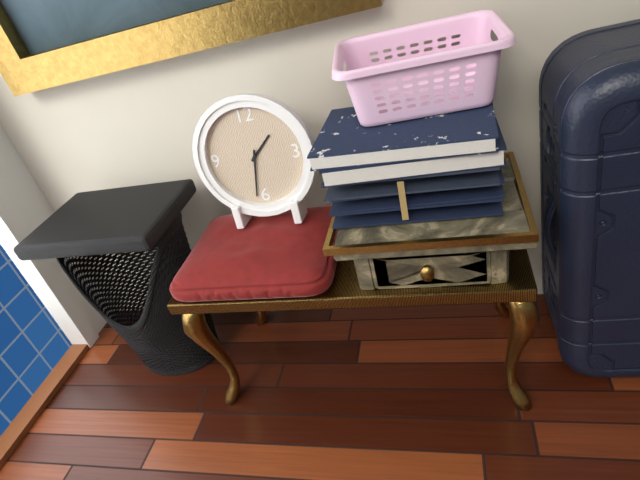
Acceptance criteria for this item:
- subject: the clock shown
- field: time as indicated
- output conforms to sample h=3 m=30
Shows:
h=1 m=32
